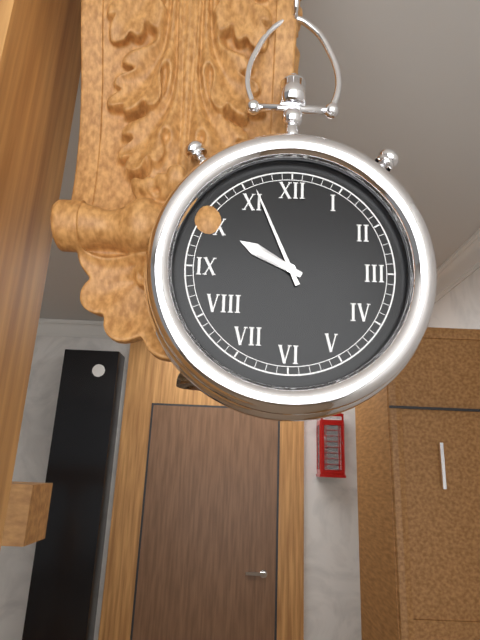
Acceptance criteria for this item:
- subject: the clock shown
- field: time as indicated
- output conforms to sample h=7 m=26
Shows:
h=9 m=56
